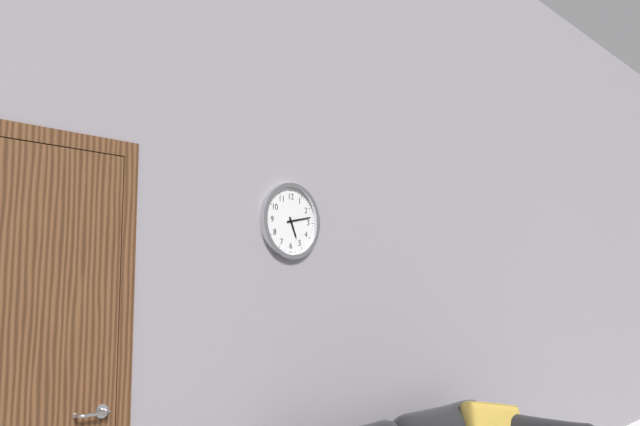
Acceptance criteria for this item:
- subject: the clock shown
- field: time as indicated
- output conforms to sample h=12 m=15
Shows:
h=5 m=13
